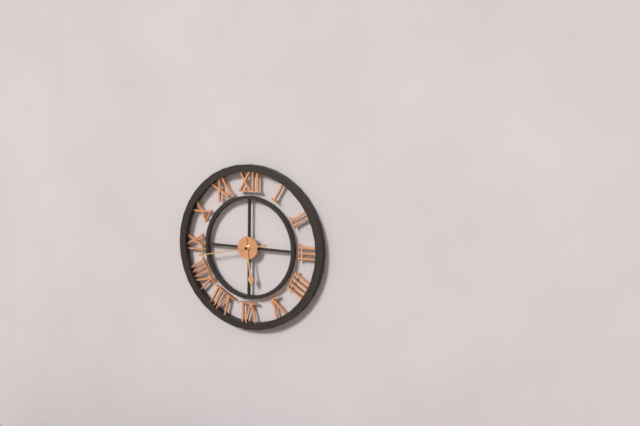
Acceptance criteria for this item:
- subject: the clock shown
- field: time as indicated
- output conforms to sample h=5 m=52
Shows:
h=5 m=43
